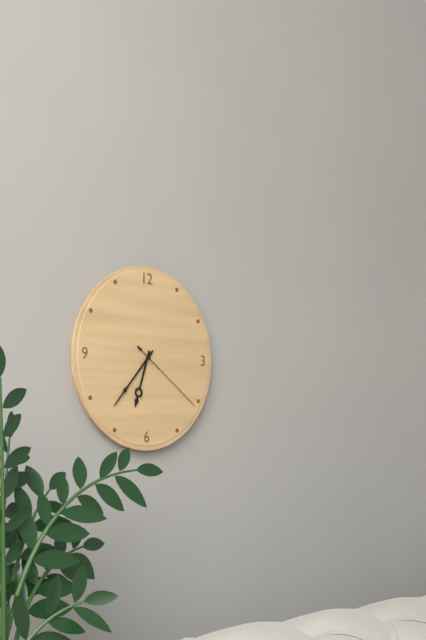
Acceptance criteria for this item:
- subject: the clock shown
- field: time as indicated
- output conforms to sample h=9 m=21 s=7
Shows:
h=6 m=37 s=21
